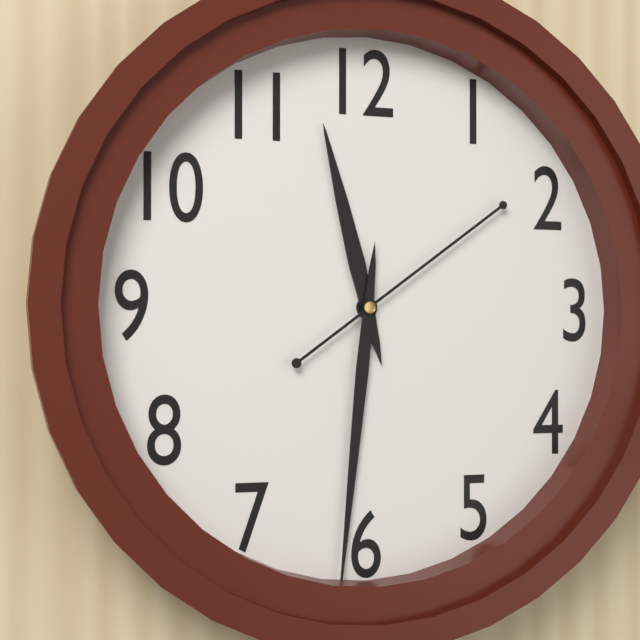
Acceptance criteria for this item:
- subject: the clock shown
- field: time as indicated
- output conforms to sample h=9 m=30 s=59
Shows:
h=11 m=31 s=9
